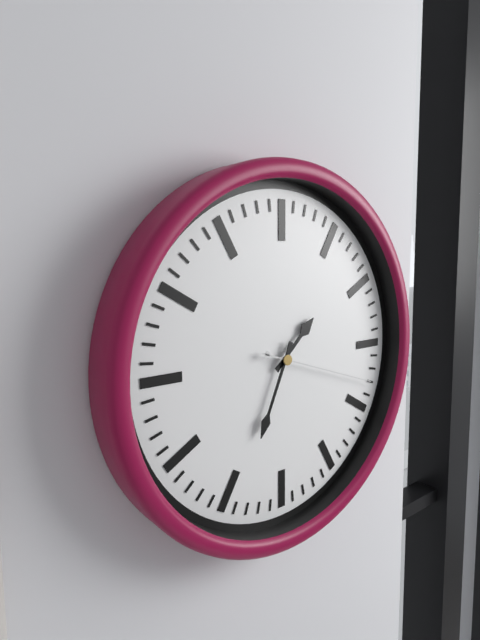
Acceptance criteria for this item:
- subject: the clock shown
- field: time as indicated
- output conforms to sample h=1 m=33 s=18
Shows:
h=1 m=34 s=18
